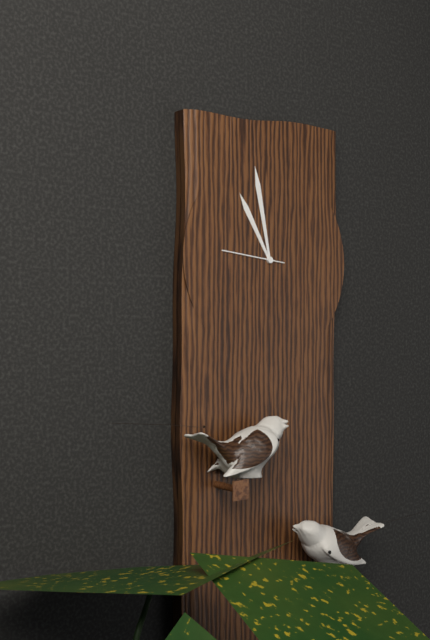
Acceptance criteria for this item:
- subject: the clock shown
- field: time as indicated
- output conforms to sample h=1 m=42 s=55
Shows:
h=10 m=58 s=46
